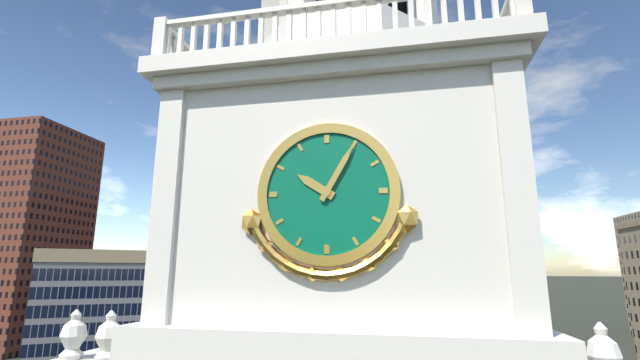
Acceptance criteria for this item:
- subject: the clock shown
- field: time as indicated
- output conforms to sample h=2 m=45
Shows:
h=10 m=5
